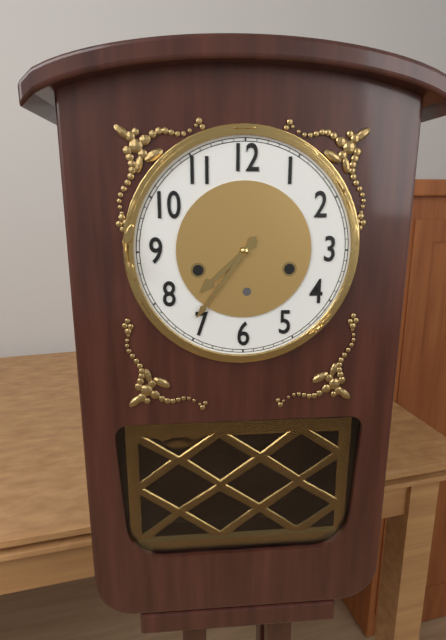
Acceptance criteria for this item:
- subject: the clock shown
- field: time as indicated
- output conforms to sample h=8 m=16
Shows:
h=7 m=36
